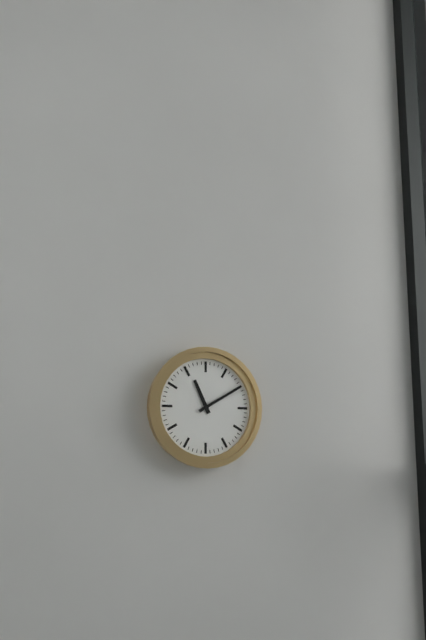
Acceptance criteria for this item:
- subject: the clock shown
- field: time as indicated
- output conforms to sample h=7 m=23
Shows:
h=11 m=10
